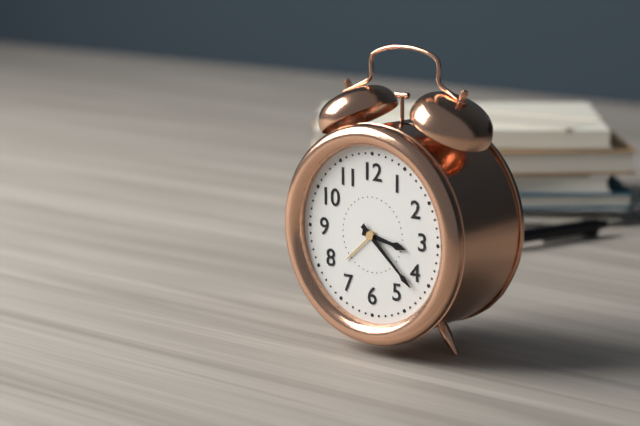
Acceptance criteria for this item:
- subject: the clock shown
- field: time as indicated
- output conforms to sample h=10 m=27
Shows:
h=3 m=22
